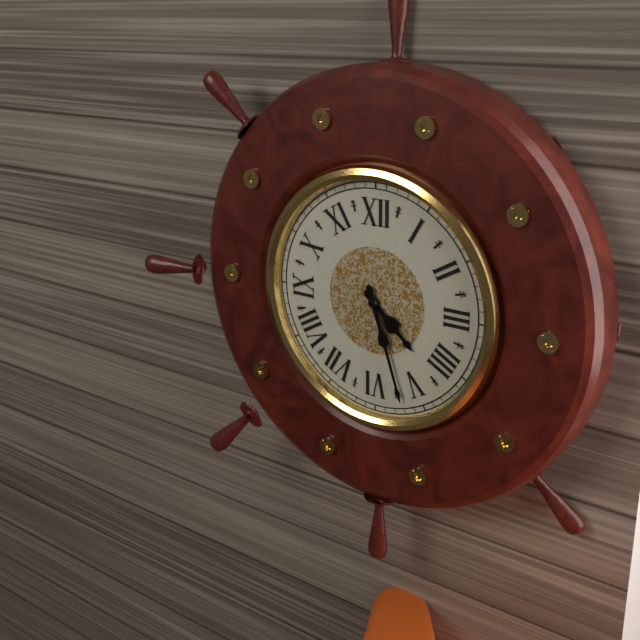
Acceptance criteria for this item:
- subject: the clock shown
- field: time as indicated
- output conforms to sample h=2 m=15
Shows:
h=4 m=27
